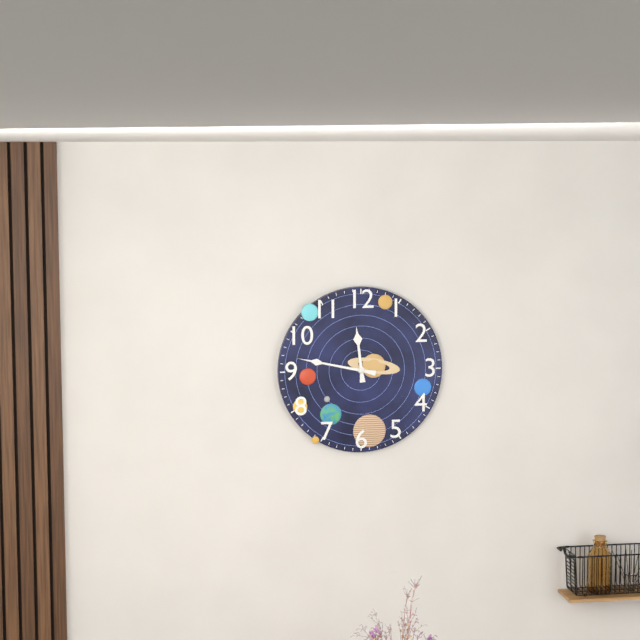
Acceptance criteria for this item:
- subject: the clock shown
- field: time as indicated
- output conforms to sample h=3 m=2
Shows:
h=11 m=47
